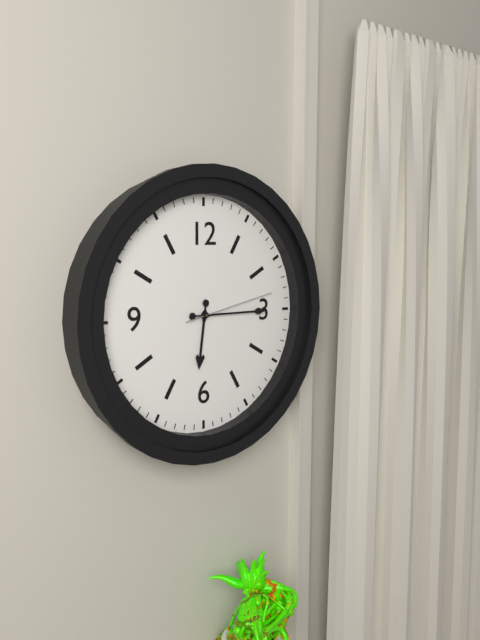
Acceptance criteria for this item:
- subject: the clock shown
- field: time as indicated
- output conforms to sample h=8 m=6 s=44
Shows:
h=6 m=15 s=13
